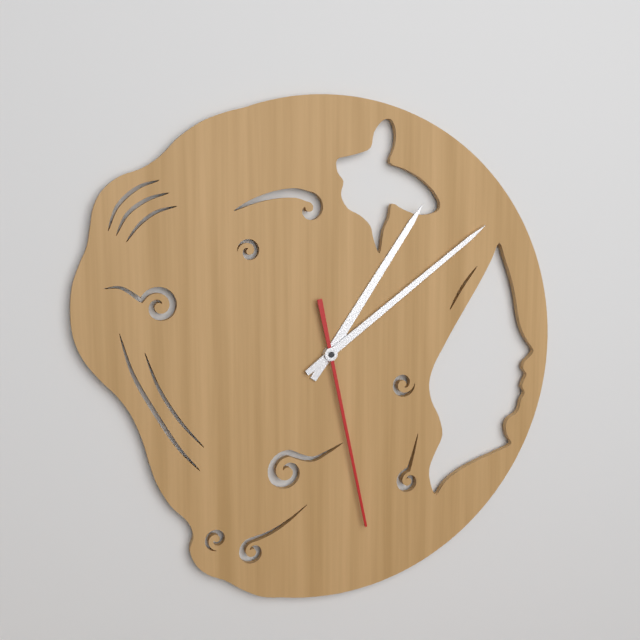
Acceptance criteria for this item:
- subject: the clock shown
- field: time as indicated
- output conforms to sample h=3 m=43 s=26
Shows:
h=1 m=9 s=28
